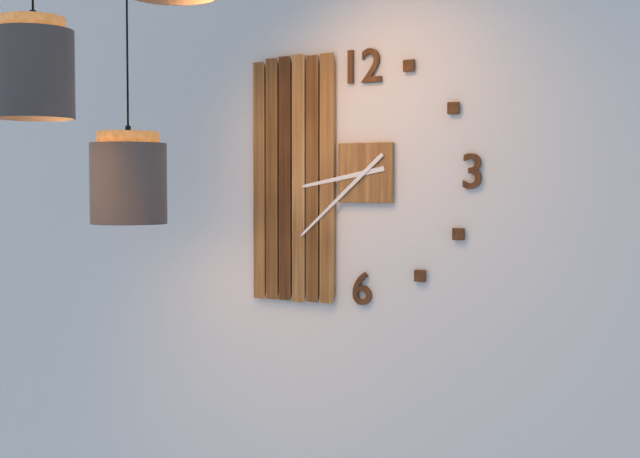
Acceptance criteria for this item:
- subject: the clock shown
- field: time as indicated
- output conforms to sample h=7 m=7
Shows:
h=8 m=38
